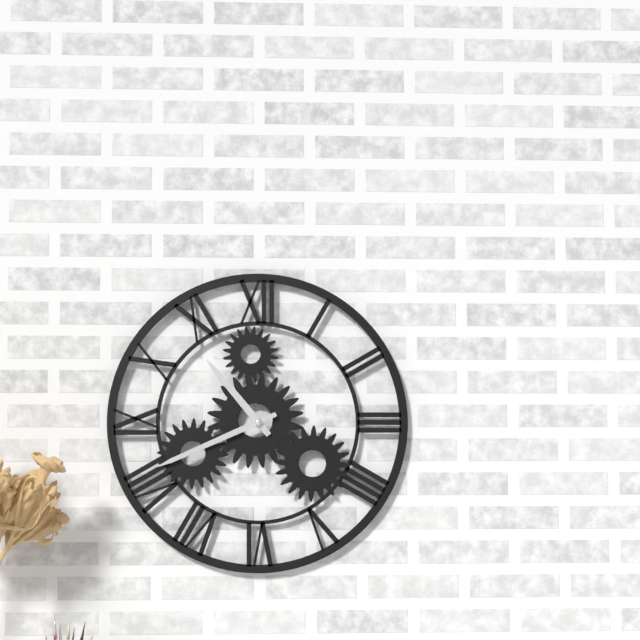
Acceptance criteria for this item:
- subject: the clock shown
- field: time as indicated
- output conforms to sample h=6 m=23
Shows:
h=10 m=41
